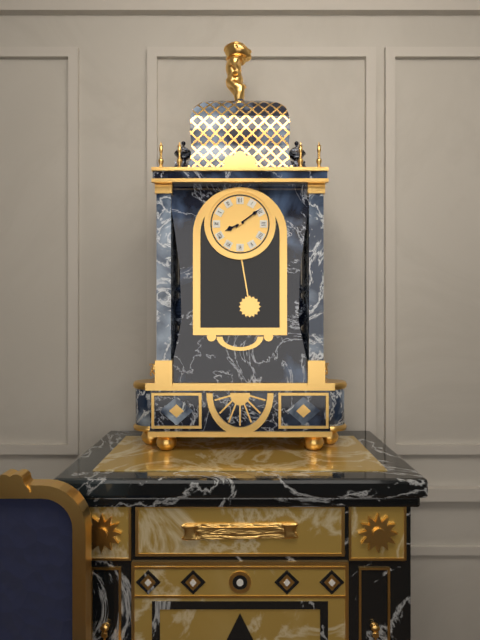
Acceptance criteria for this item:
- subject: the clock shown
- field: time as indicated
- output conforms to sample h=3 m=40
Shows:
h=8 m=9
